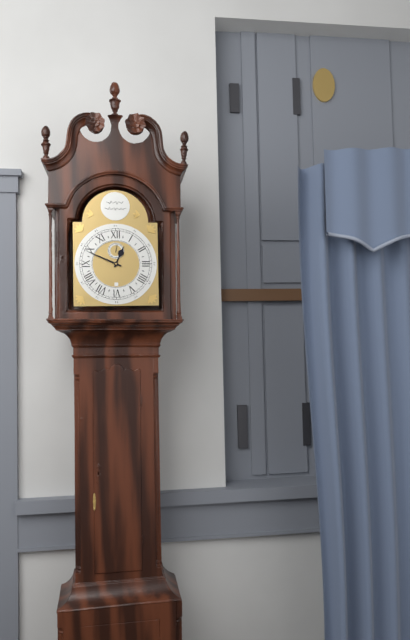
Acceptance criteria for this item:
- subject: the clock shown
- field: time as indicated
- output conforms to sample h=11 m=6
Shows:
h=12 m=49
